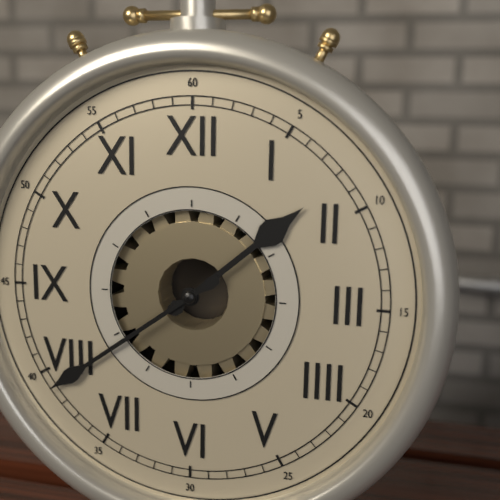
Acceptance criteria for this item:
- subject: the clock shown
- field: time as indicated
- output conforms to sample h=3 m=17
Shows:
h=1 m=39
